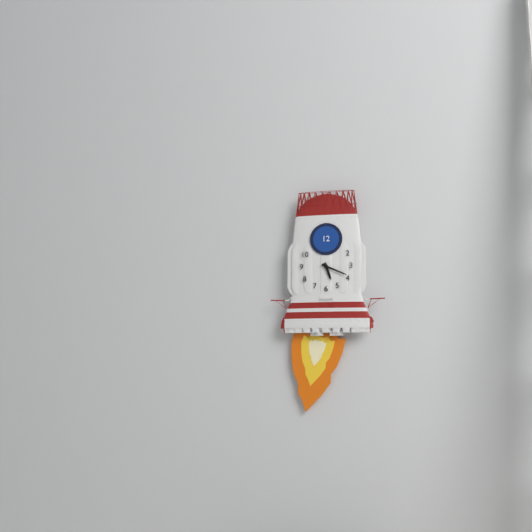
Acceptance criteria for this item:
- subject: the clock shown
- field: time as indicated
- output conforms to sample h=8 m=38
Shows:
h=5 m=19
